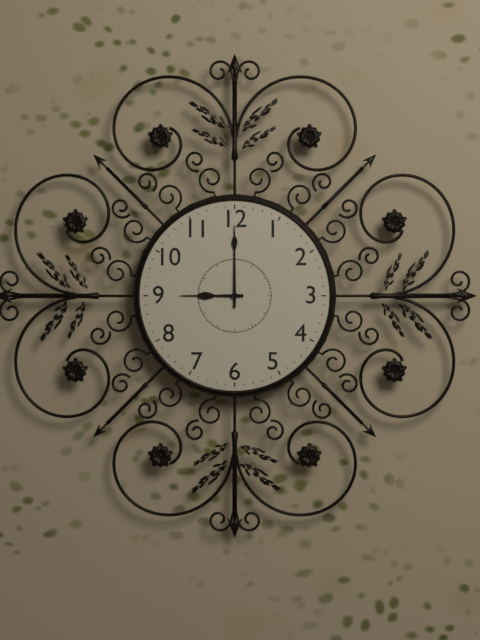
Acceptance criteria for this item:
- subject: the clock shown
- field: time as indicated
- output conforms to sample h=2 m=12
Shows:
h=9 m=0
